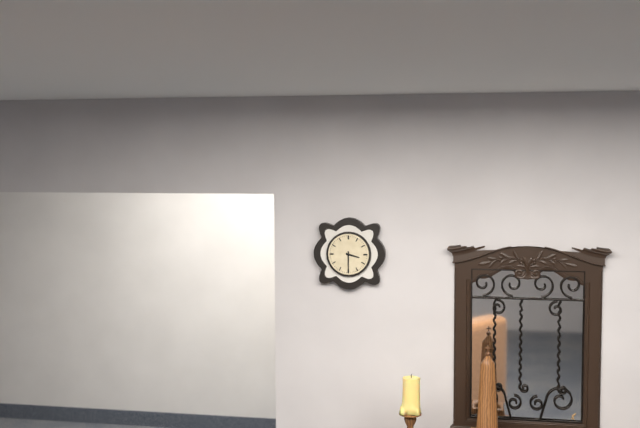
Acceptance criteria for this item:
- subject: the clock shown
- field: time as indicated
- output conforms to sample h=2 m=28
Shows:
h=3 m=30
